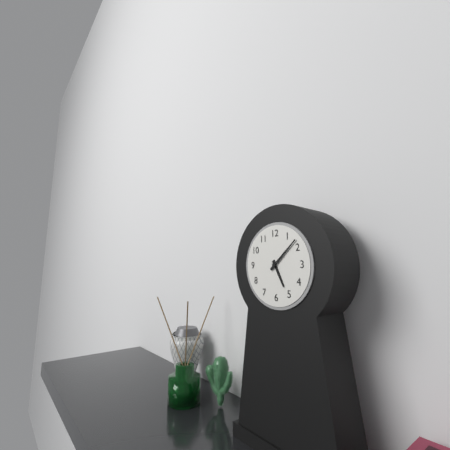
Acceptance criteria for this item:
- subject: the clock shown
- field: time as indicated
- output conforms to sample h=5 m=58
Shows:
h=5 m=8
